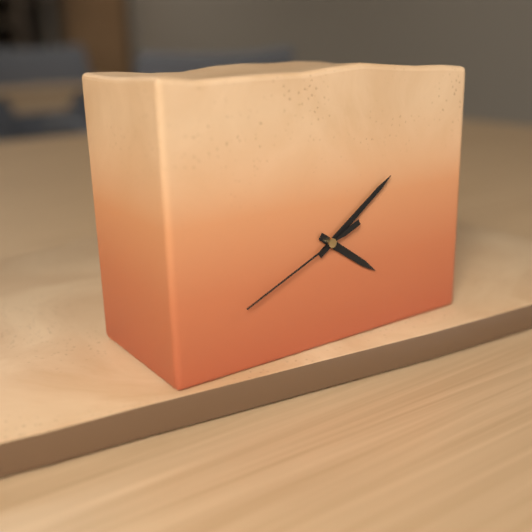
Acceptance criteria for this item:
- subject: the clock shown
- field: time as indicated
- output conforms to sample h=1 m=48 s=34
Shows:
h=4 m=9 s=41
